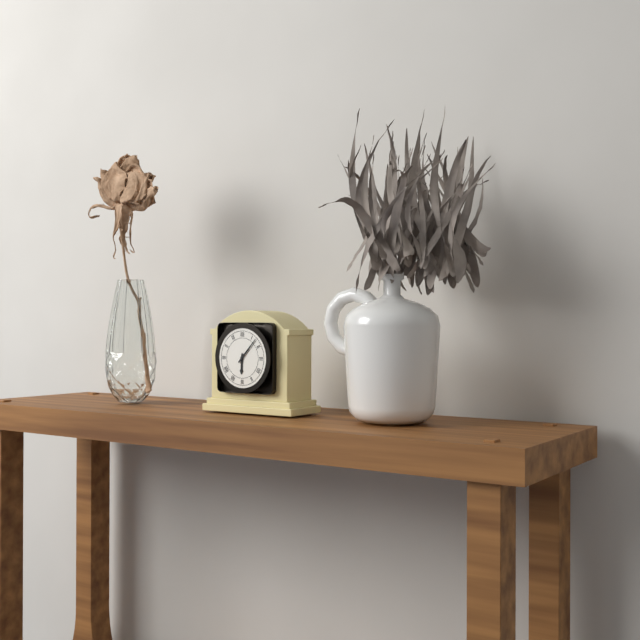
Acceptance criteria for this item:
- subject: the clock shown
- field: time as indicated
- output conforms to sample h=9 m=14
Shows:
h=6 m=7
